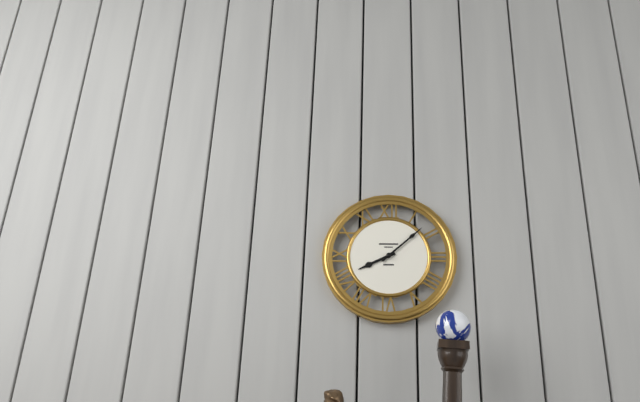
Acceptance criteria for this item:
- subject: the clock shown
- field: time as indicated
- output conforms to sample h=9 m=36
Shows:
h=8 m=8
